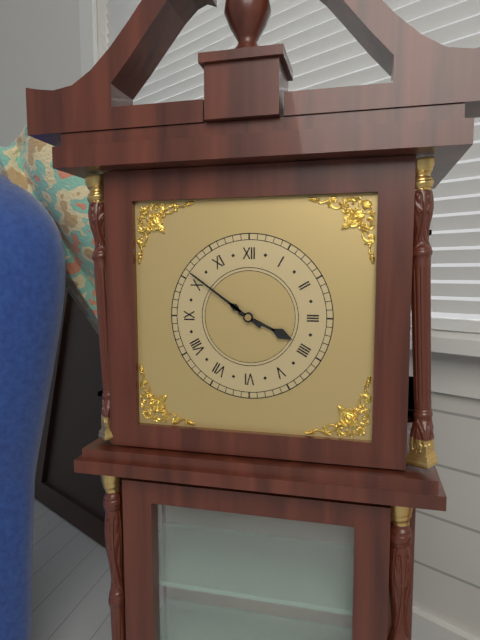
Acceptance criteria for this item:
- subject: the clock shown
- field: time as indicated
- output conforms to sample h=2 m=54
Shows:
h=3 m=51
